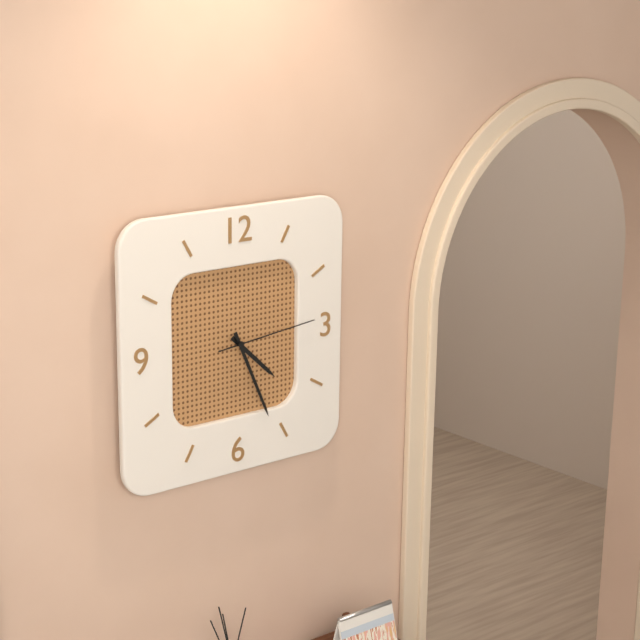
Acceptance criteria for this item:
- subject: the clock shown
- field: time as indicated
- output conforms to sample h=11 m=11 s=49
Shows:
h=4 m=26 s=14
